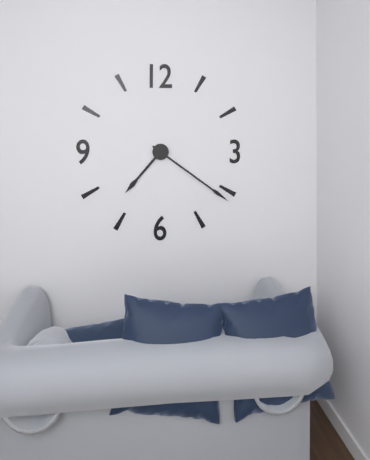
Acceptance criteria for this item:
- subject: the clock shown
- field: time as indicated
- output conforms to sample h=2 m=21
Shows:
h=7 m=21
